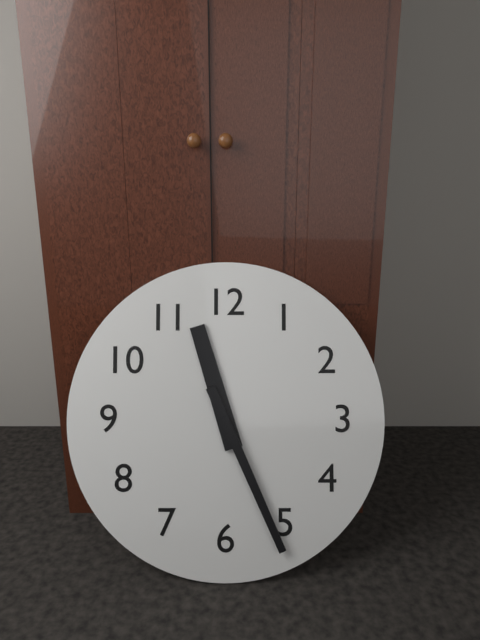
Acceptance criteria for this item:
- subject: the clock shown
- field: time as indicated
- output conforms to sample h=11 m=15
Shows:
h=11 m=26
